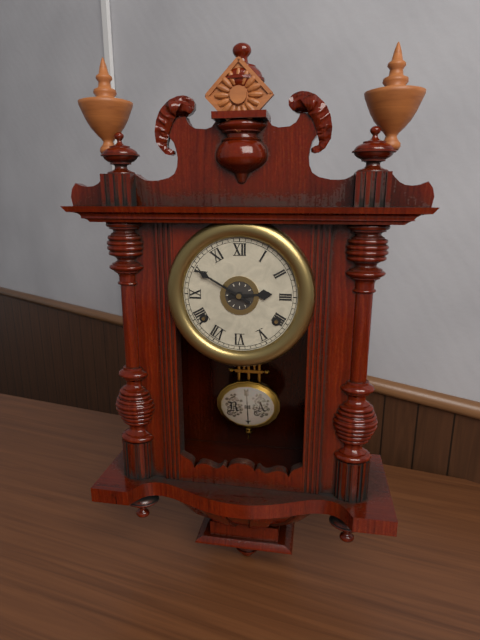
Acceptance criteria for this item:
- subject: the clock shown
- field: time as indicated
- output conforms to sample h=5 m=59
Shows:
h=2 m=50
